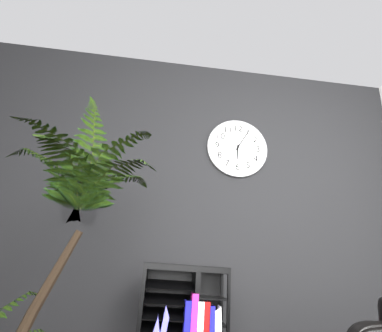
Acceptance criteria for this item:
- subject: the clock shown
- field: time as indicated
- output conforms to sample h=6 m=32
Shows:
h=6 m=5
